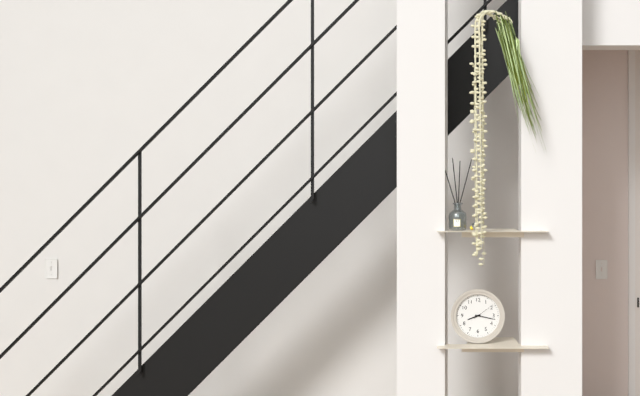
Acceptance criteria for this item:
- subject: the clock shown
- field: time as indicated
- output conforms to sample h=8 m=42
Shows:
h=8 m=17
